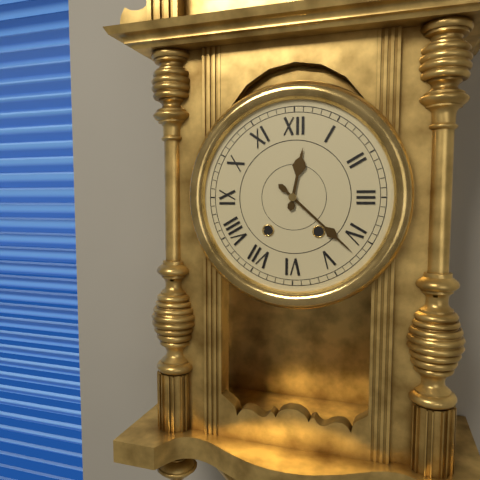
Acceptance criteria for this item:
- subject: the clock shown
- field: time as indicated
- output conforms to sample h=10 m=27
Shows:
h=12 m=22
